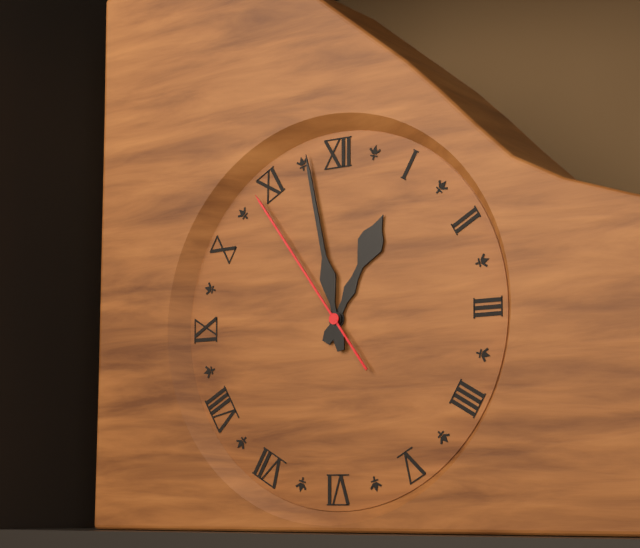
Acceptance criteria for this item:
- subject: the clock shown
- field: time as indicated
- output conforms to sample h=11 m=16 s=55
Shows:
h=12 m=58 s=54
